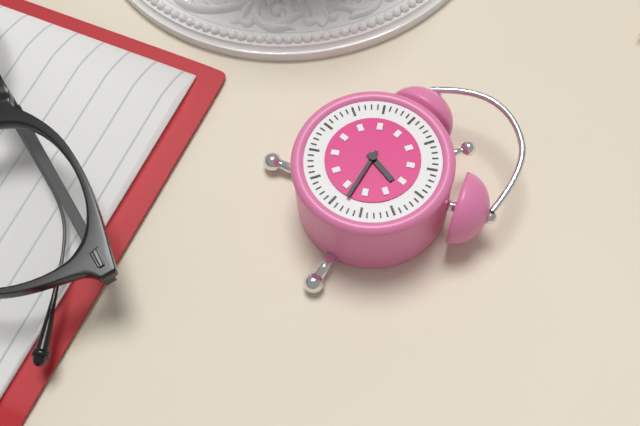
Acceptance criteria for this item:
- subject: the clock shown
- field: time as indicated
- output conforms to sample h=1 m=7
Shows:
h=2 m=23
